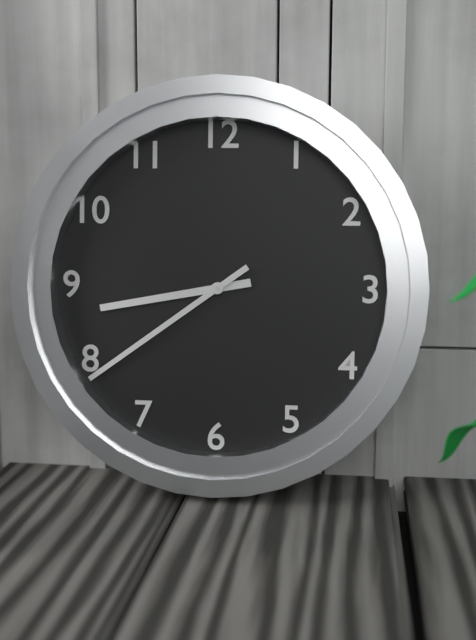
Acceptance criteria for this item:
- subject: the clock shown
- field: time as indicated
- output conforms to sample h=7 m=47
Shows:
h=8 m=39
